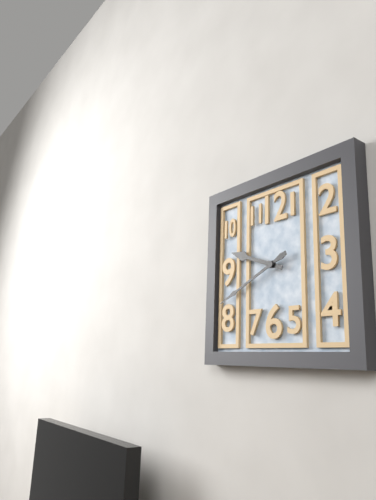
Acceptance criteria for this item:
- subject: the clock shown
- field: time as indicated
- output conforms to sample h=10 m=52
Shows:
h=9 m=41
